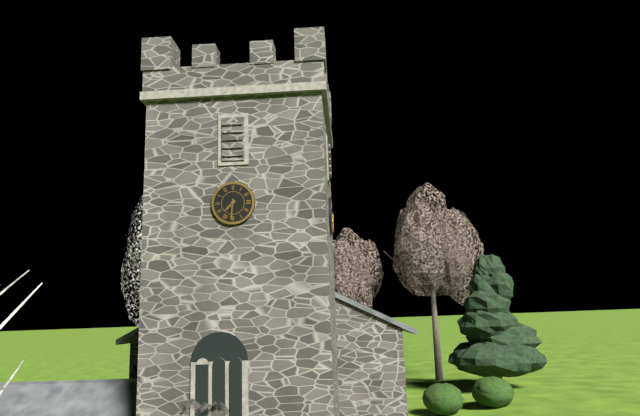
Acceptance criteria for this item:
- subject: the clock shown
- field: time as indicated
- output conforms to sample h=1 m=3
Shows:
h=7 m=31
